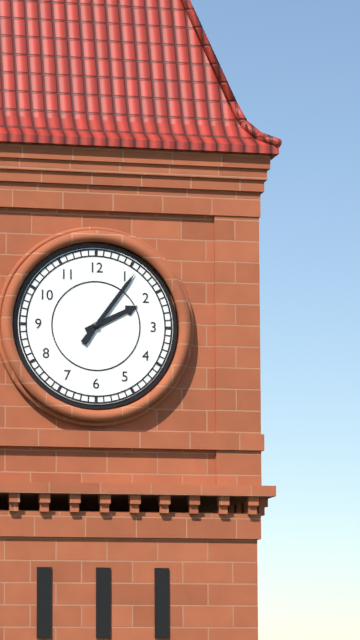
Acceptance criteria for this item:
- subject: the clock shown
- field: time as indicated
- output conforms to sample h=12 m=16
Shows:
h=2 m=6
